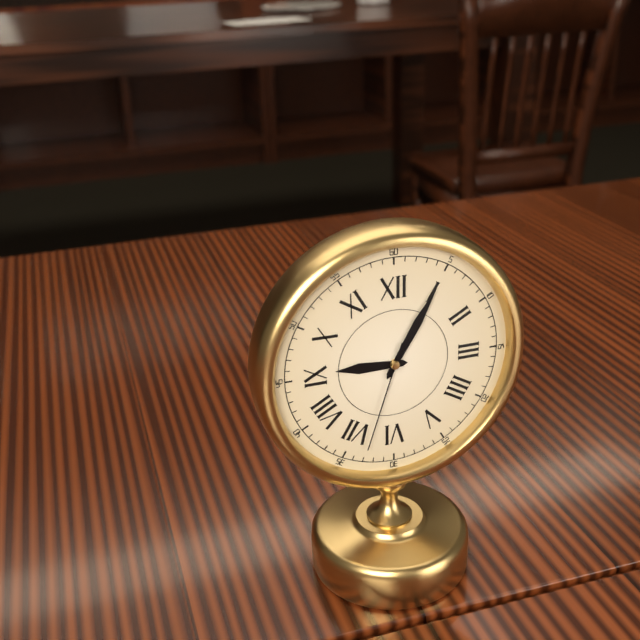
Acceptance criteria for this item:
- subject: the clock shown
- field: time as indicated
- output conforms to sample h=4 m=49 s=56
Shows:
h=9 m=5 s=33
